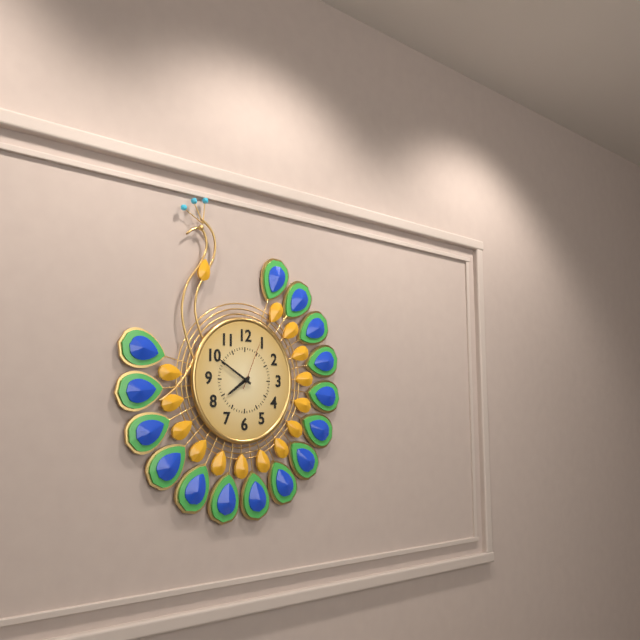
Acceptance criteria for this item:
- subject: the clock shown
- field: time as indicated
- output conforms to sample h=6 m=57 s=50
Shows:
h=7 m=50 s=4
